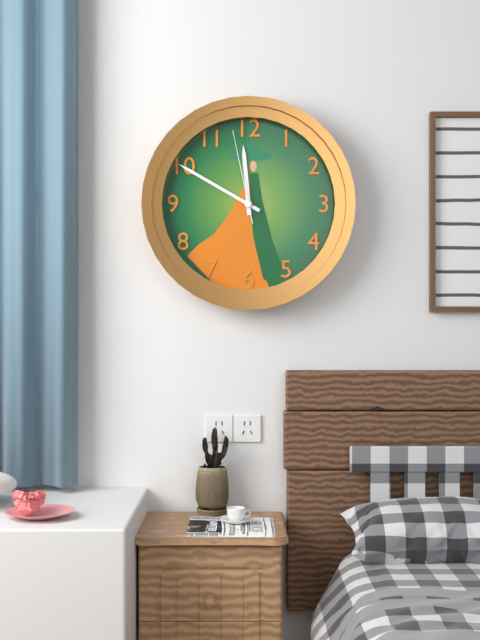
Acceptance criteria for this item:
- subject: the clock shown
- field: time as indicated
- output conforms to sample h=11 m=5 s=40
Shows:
h=11 m=50 s=58
